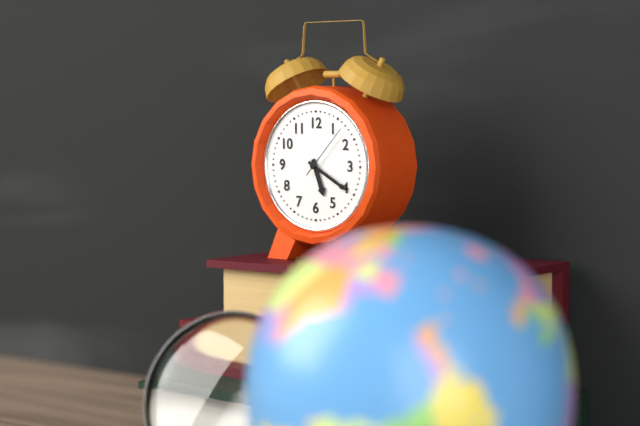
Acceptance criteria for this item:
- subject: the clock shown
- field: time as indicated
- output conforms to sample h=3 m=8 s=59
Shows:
h=5 m=20 s=7
